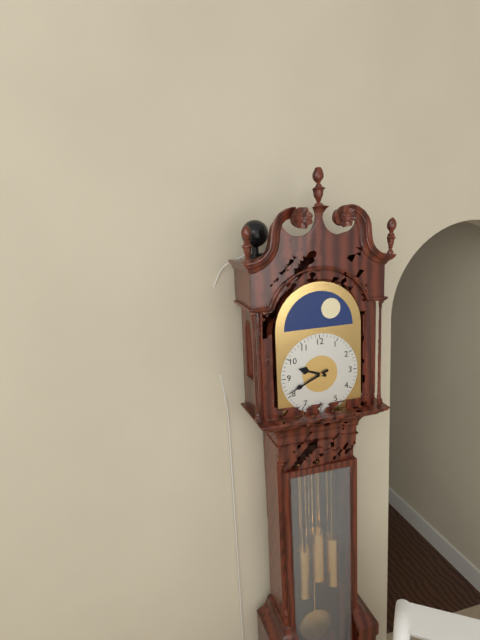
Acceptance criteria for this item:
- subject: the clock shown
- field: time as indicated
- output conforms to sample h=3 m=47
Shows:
h=9 m=41
